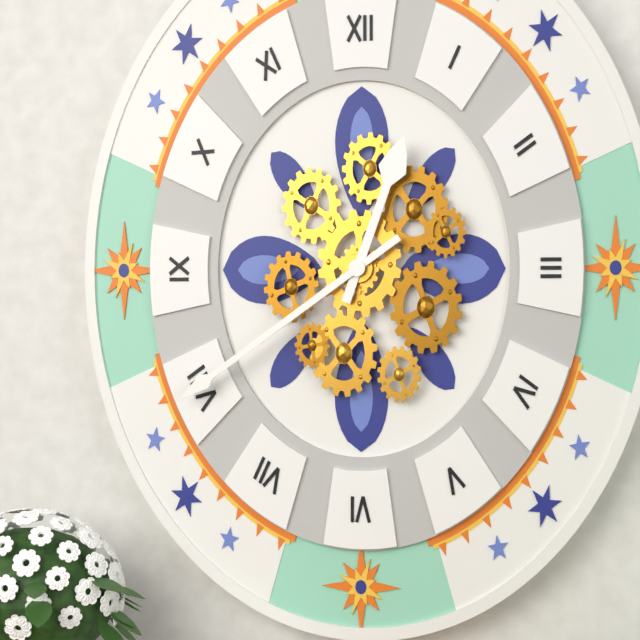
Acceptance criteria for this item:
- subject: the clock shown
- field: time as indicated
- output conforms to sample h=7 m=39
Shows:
h=12 m=39
